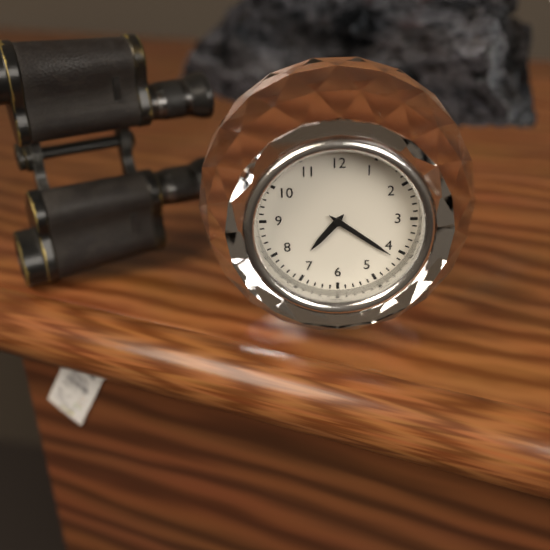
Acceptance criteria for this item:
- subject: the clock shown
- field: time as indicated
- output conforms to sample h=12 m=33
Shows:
h=7 m=21
